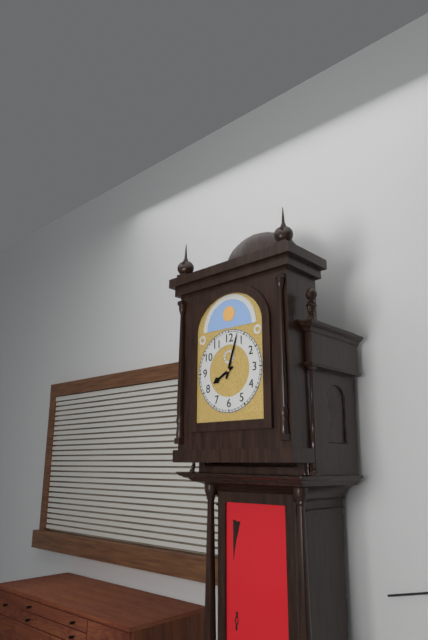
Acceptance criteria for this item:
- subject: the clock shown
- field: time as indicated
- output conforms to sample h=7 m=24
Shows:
h=8 m=3
